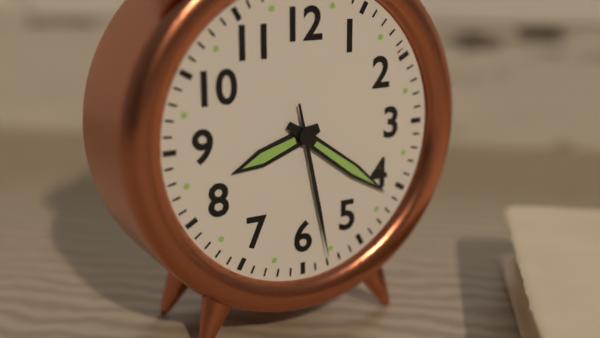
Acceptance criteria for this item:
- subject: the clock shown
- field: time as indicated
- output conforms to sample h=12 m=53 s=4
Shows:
h=8 m=21 s=28
